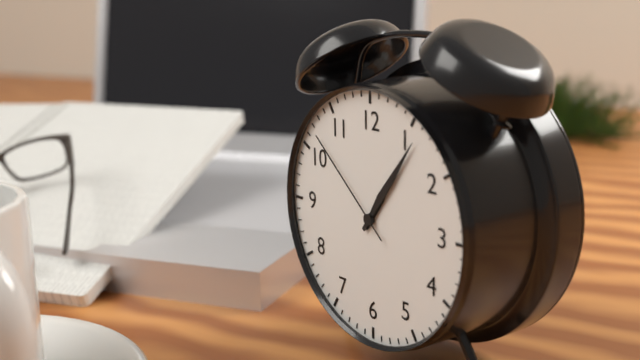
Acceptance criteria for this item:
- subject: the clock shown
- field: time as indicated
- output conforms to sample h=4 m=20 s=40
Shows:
h=1 m=6 s=52
